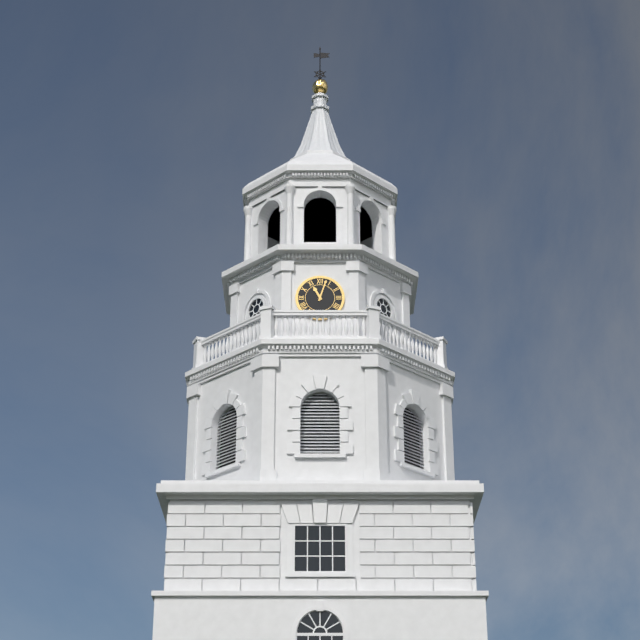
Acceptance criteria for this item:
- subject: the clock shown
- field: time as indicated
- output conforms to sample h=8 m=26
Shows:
h=11 m=3
